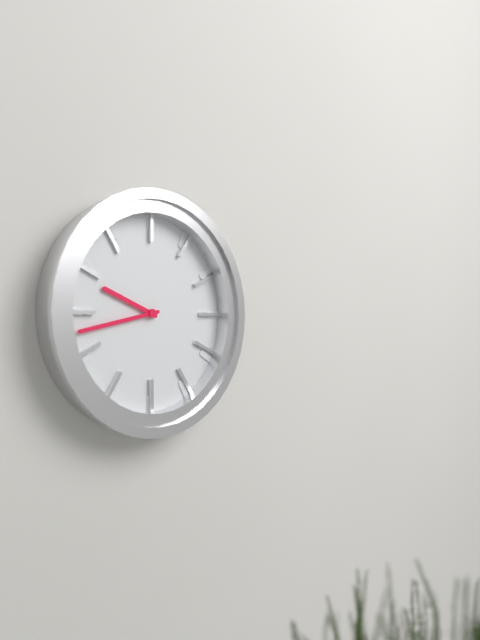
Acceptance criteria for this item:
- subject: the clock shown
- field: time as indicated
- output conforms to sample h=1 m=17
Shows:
h=9 m=43
